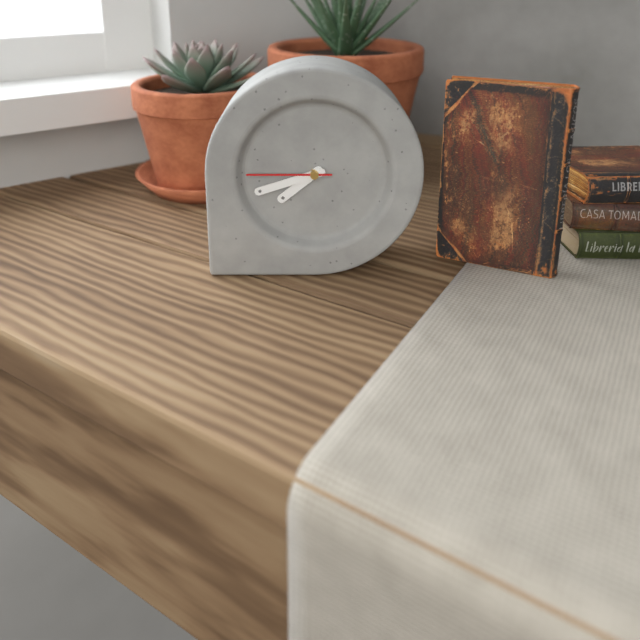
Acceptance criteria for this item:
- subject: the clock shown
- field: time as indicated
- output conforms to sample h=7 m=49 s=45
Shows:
h=7 m=42 s=45
